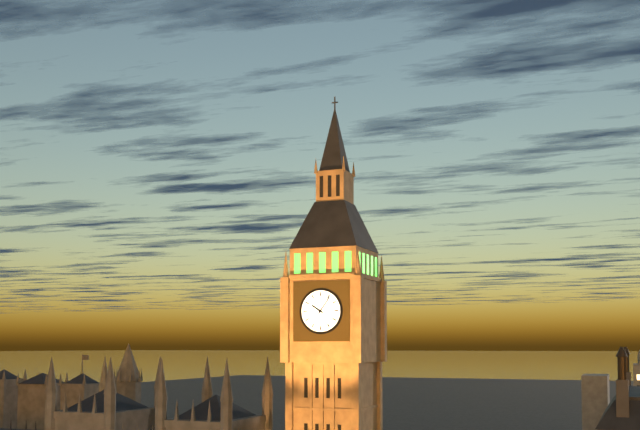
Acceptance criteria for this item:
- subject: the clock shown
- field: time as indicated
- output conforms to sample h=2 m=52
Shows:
h=10 m=6
